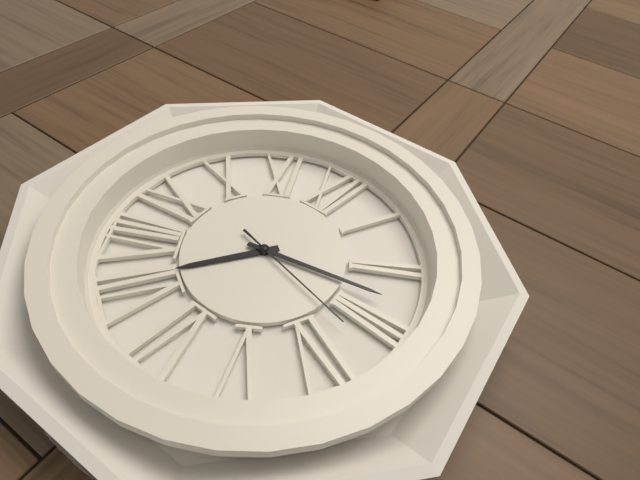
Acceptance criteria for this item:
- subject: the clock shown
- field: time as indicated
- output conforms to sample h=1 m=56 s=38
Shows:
h=7 m=13 s=17
